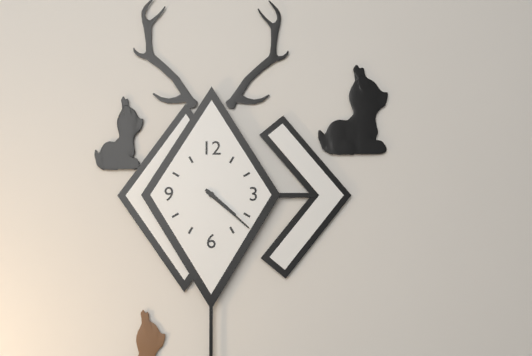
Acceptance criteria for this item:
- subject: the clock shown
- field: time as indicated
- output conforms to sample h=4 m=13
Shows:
h=4 m=22
